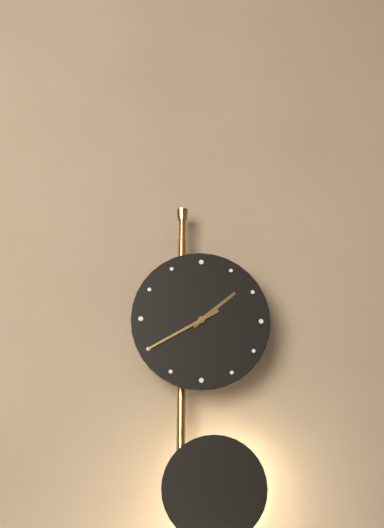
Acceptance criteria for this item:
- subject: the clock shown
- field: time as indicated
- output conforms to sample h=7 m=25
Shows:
h=1 m=40
